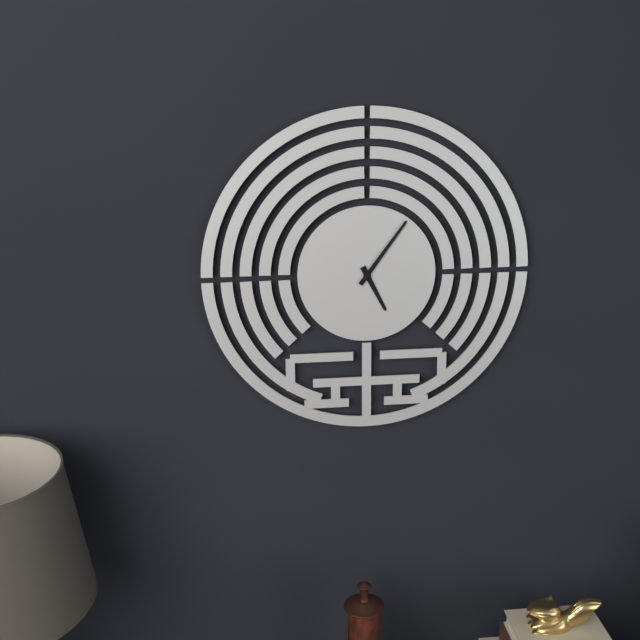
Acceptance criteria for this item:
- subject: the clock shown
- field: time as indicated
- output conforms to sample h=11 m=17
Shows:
h=5 m=6
